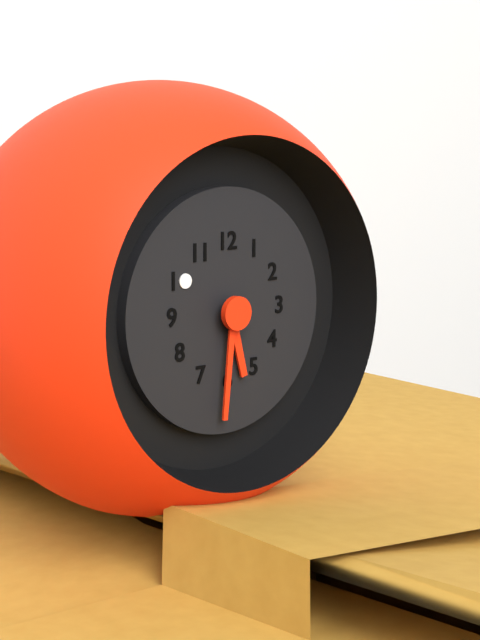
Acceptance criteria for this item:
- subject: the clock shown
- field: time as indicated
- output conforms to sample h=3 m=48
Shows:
h=5 m=31
